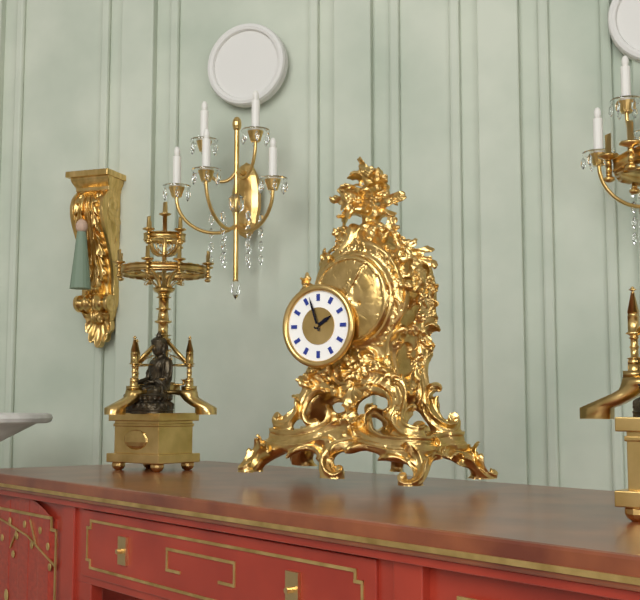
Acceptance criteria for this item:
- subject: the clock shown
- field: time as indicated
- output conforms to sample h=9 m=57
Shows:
h=1 m=57
